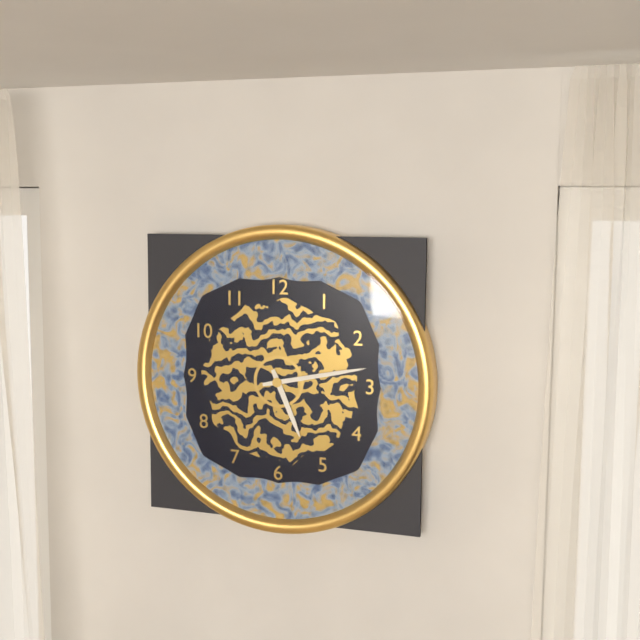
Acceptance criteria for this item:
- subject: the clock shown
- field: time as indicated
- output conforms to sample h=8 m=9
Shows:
h=5 m=13
